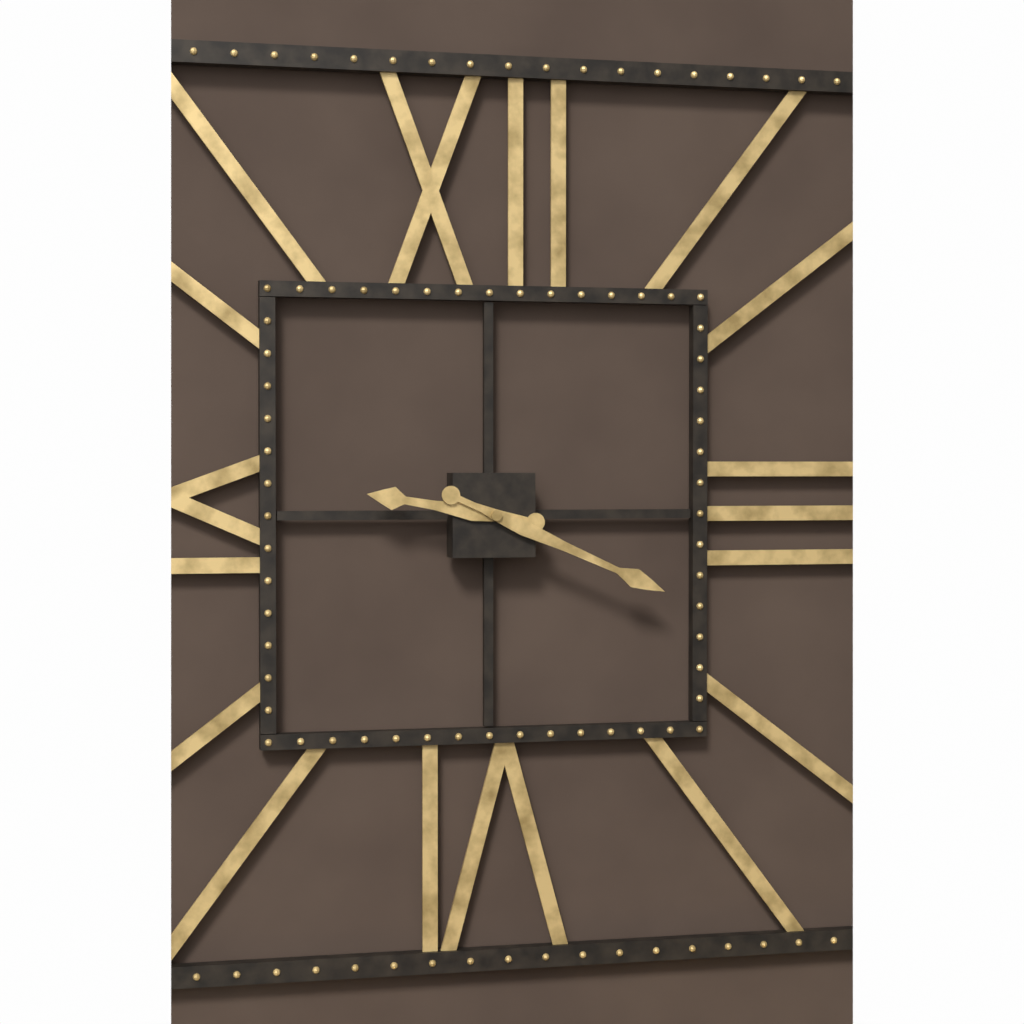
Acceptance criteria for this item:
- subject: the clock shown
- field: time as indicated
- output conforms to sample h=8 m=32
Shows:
h=9 m=19
